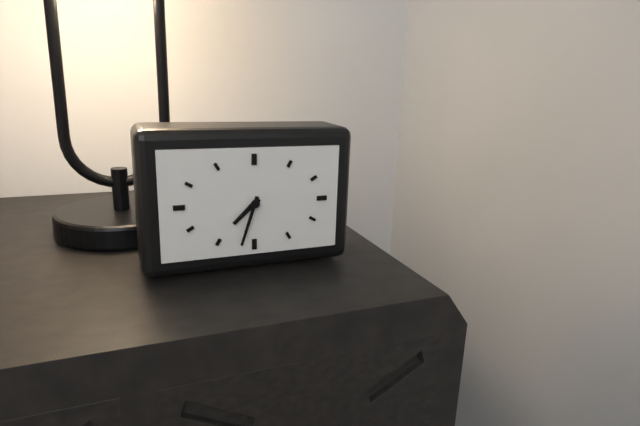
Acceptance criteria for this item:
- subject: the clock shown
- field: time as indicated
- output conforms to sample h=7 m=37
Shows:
h=7 m=33
